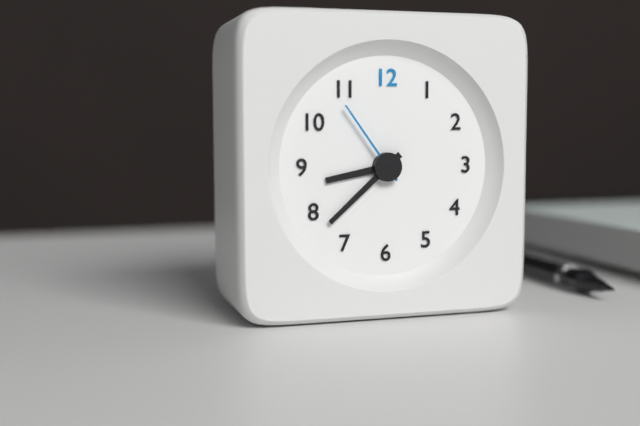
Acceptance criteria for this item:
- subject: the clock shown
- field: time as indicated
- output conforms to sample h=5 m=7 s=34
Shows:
h=8 m=38 s=54
